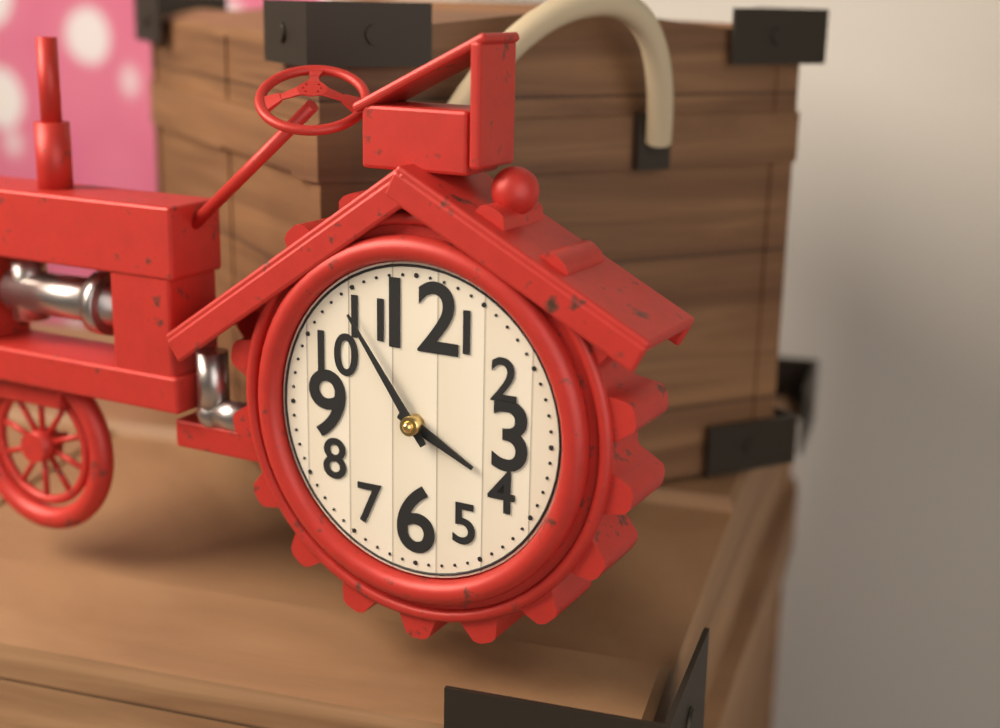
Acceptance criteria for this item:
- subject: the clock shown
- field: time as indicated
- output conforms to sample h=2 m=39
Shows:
h=3 m=54
